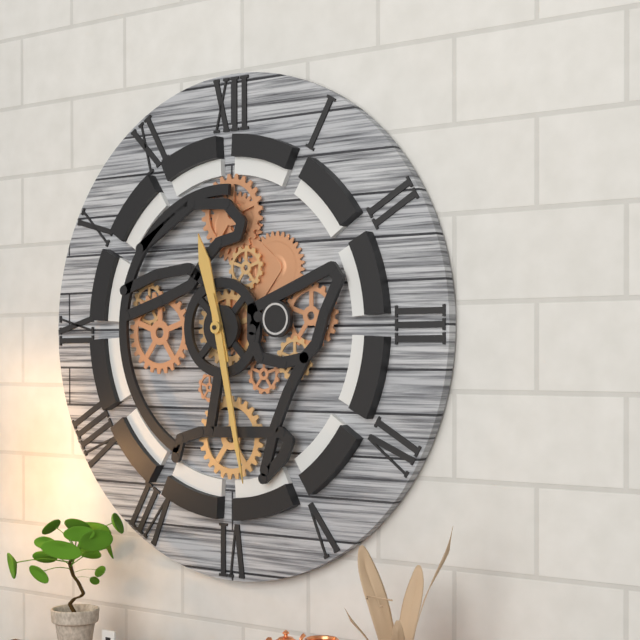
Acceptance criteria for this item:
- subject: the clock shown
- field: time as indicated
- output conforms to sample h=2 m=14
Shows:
h=11 m=28
